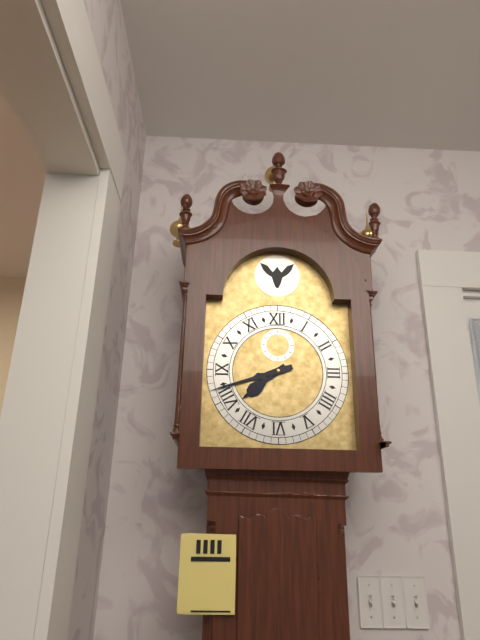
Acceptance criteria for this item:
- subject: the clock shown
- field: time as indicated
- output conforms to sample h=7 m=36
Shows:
h=7 m=42
